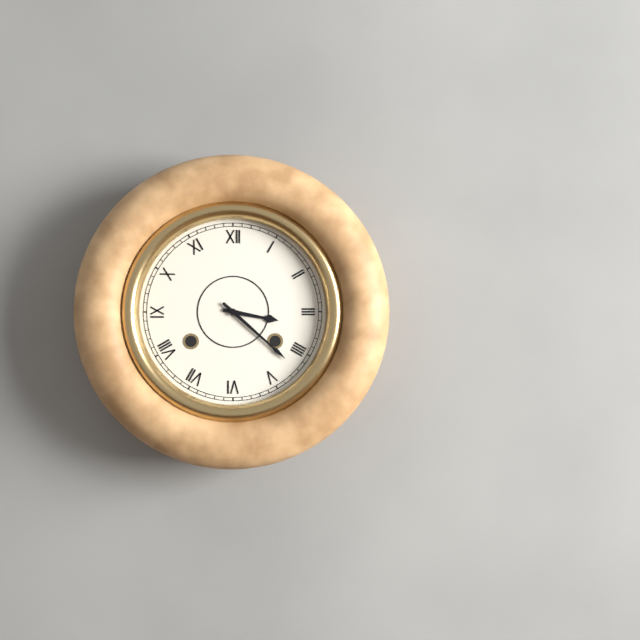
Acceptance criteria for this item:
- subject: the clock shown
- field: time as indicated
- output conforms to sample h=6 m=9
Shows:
h=3 m=22
